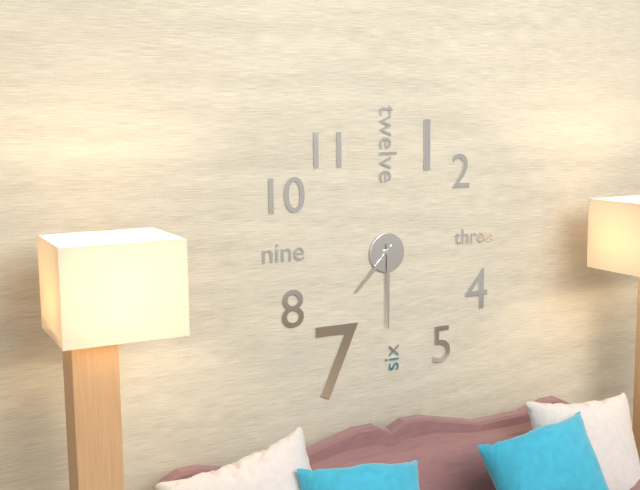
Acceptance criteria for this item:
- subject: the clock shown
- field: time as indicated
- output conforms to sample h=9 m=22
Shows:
h=7 m=30
